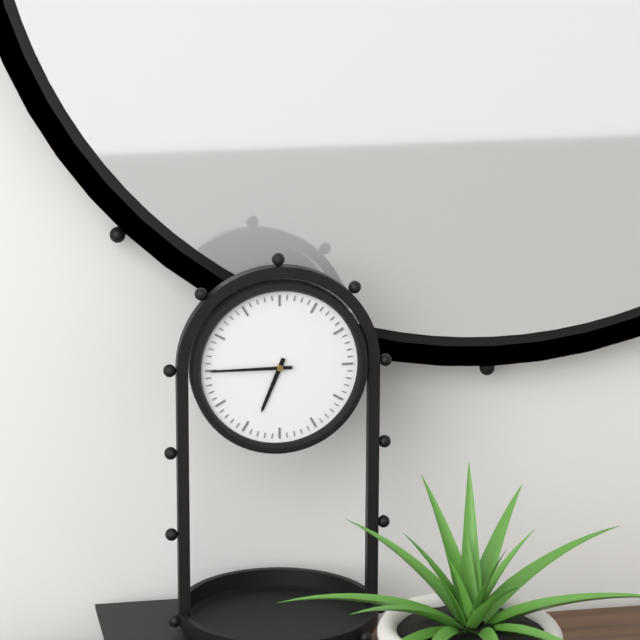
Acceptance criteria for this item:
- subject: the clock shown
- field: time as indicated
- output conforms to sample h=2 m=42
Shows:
h=6 m=45
